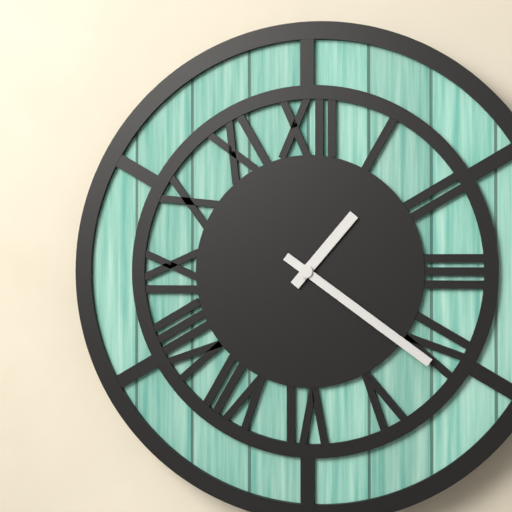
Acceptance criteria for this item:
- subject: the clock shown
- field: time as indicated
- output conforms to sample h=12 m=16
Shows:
h=1 m=21
